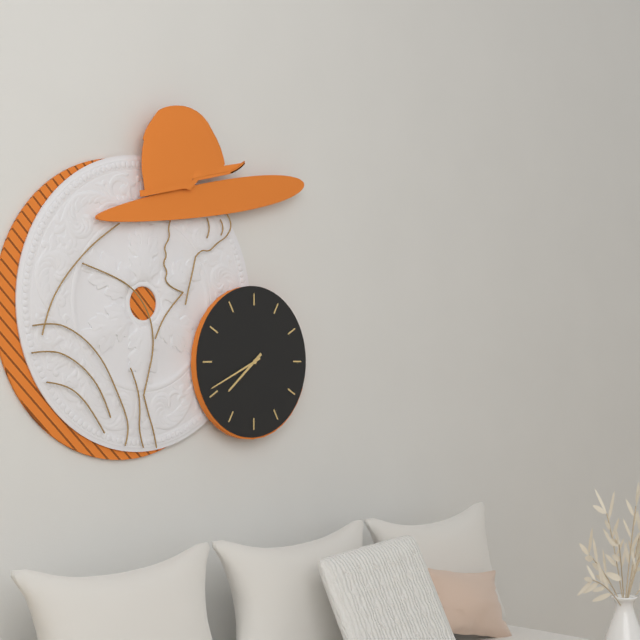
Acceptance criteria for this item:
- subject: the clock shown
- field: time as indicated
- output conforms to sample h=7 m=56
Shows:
h=7 m=41
